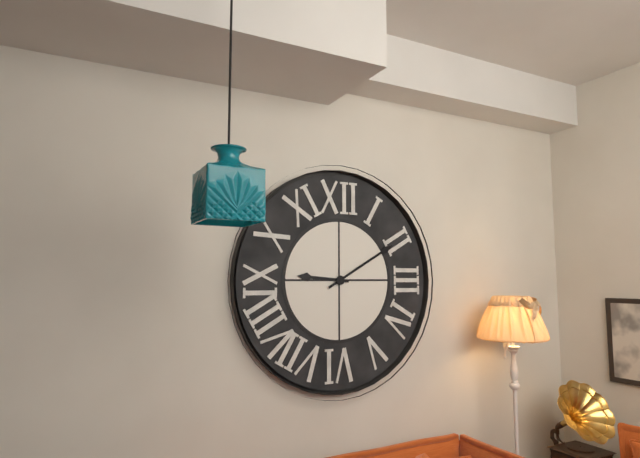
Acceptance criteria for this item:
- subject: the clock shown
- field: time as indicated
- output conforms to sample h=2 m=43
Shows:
h=9 m=10
